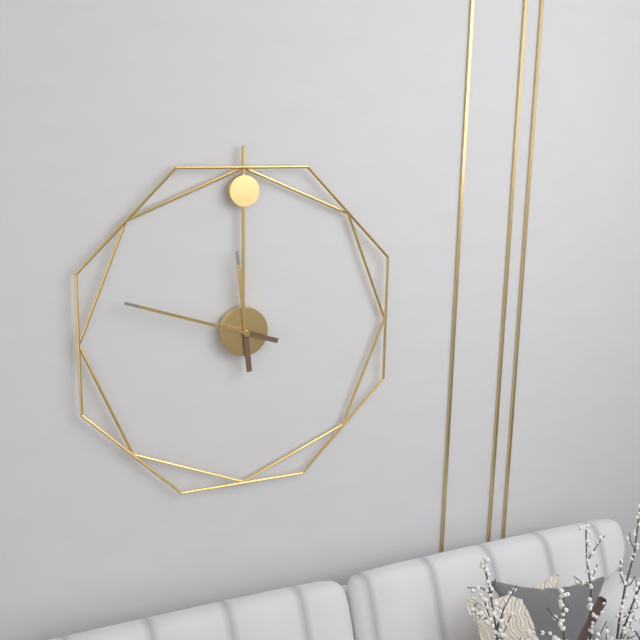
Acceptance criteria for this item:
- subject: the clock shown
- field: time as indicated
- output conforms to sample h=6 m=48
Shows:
h=11 m=48
